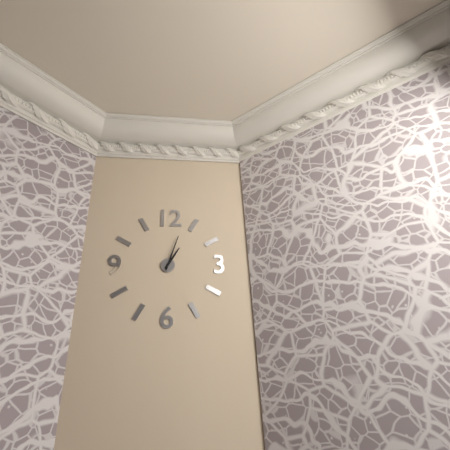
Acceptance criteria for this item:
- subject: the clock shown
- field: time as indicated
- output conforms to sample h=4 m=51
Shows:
h=1 m=3
